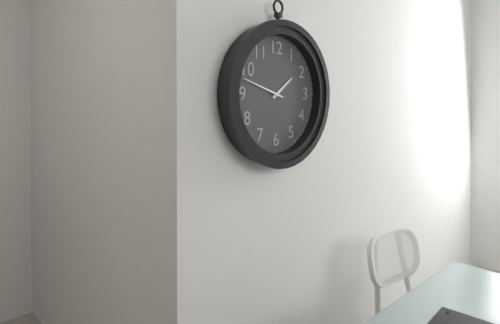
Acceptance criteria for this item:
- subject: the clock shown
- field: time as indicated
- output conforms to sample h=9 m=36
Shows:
h=1 m=48
